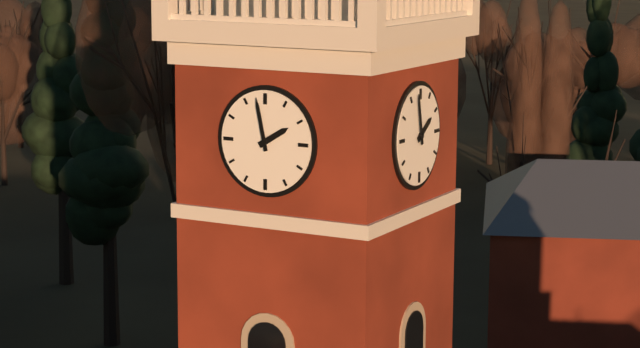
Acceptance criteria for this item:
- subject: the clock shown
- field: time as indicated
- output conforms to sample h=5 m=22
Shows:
h=1 m=58
